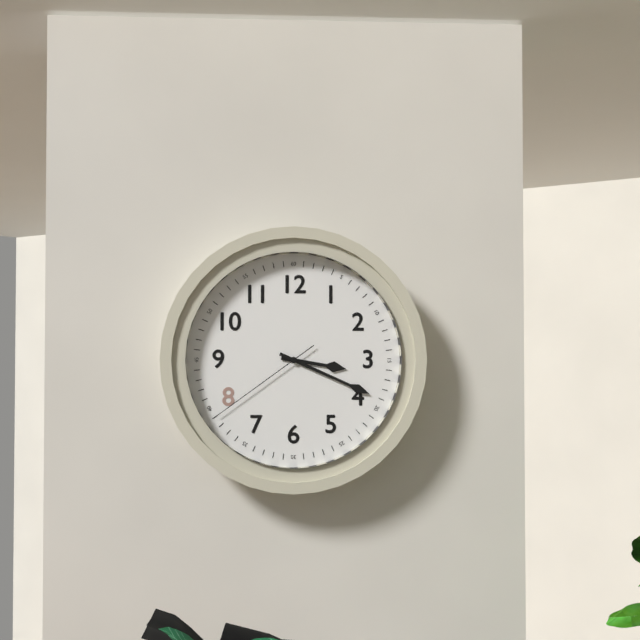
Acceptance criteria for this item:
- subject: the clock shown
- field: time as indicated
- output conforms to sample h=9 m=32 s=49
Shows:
h=3 m=19 s=39
